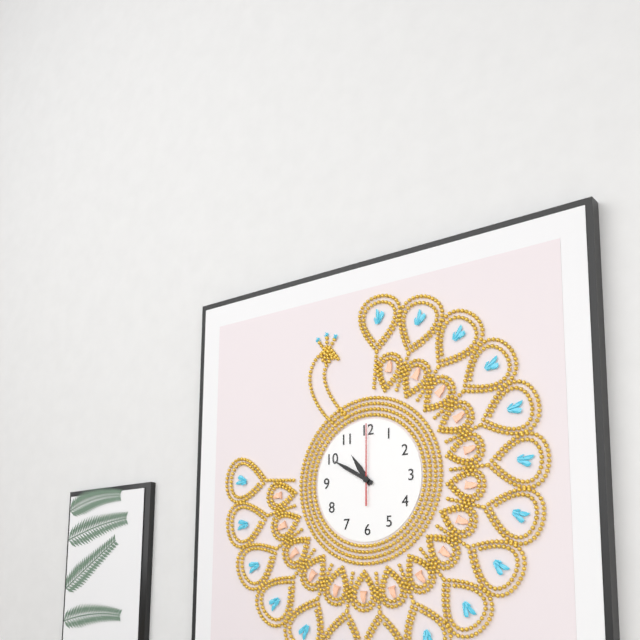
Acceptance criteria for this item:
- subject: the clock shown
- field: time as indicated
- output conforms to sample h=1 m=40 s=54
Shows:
h=10 m=50 s=0
